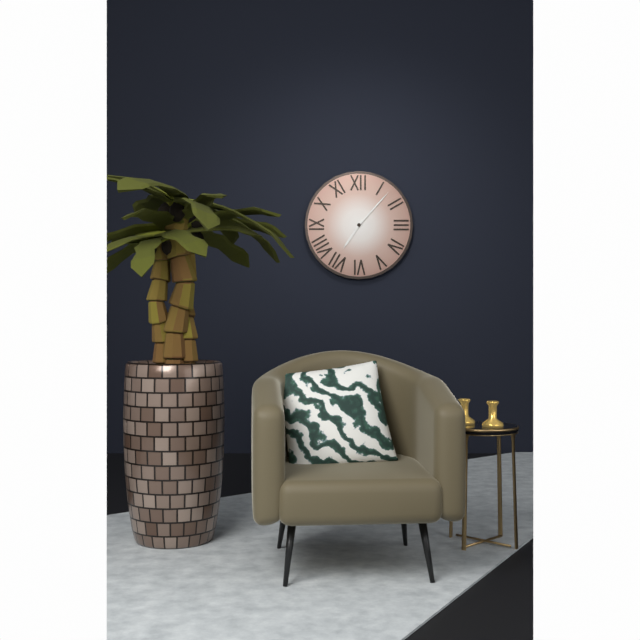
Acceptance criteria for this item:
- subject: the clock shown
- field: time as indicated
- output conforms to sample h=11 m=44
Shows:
h=7 m=7
